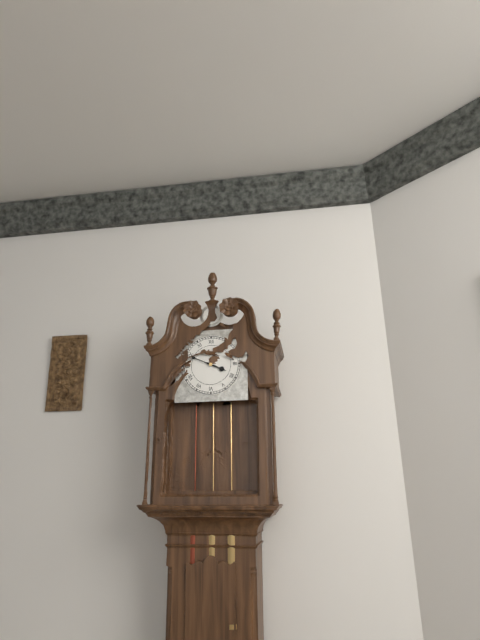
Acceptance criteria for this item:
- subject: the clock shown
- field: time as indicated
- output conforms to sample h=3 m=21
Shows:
h=3 m=49
